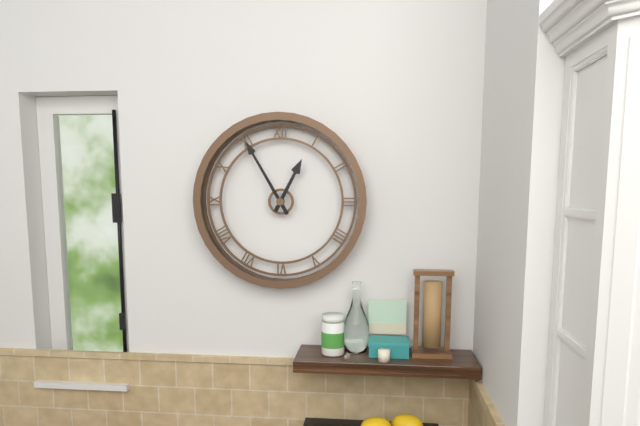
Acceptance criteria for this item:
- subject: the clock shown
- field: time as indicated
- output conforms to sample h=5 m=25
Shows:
h=12 m=55
